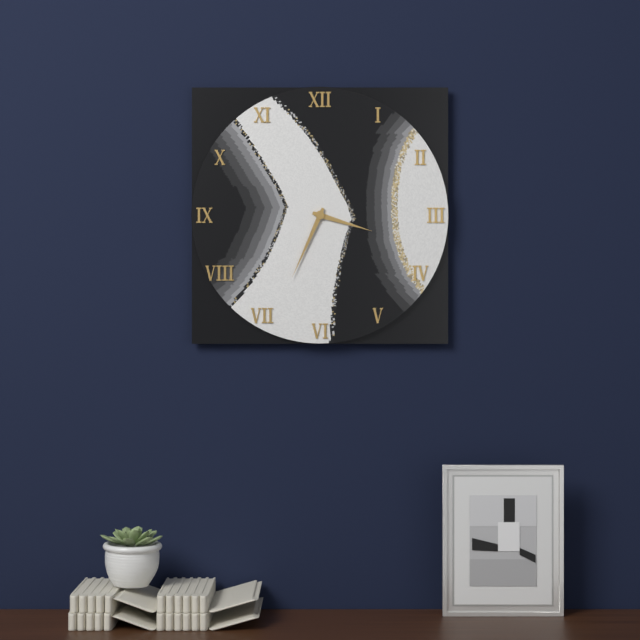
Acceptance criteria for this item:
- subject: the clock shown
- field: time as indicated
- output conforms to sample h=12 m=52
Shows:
h=3 m=34
